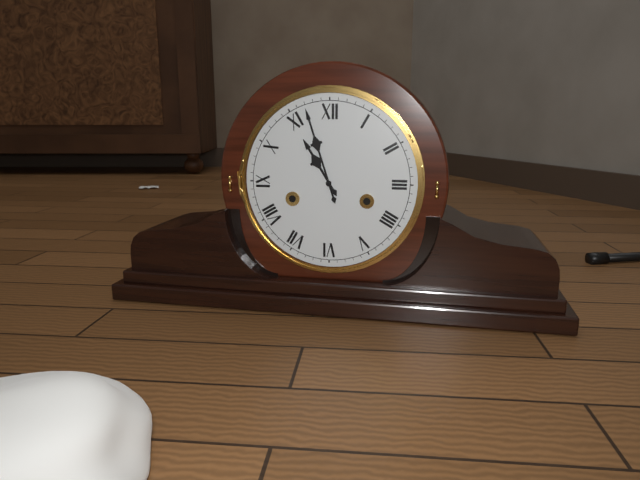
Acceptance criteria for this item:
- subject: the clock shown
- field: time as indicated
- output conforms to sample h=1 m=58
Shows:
h=10 m=57
